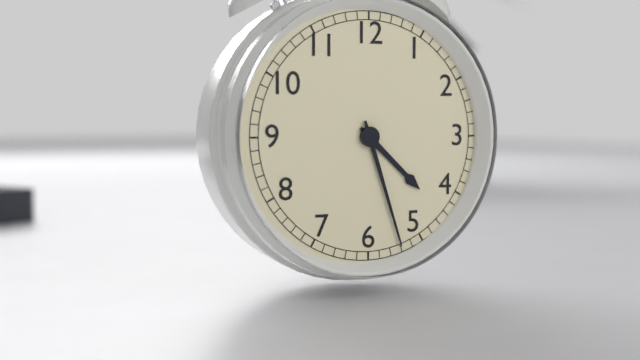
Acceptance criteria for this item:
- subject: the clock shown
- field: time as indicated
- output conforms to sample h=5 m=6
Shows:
h=4 m=27
